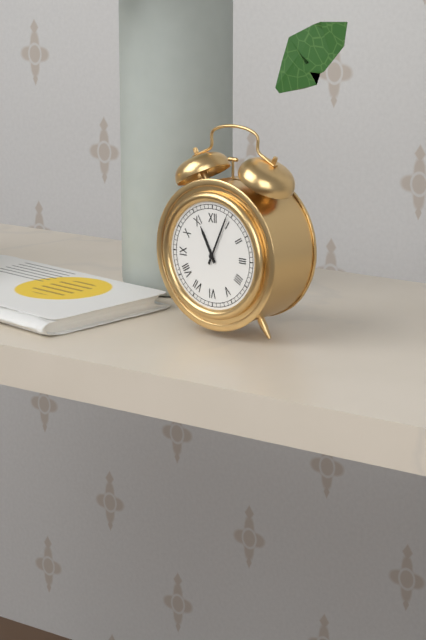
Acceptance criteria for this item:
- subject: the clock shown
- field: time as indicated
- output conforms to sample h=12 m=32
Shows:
h=11 m=4
